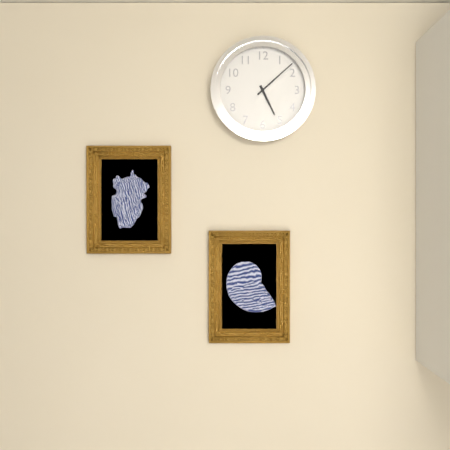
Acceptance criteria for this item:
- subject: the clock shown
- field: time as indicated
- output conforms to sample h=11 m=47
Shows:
h=5 m=8
